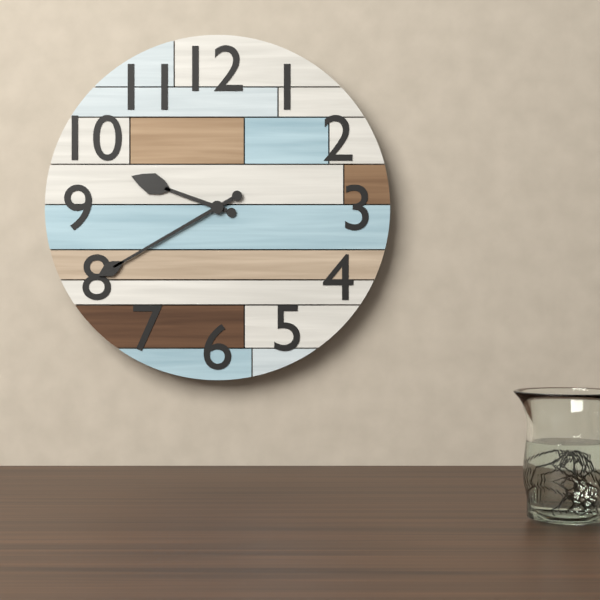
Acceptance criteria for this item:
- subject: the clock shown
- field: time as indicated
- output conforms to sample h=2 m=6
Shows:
h=9 m=40
